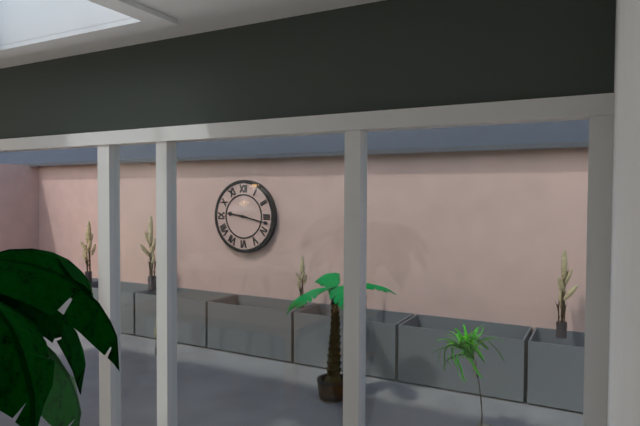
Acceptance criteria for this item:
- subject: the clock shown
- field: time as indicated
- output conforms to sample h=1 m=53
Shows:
h=9 m=17
